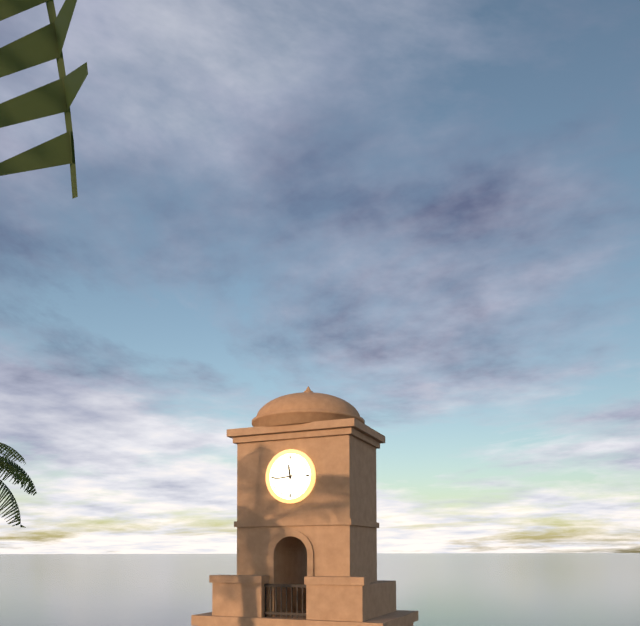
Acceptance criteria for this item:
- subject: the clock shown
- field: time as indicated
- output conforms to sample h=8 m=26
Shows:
h=11 m=44
